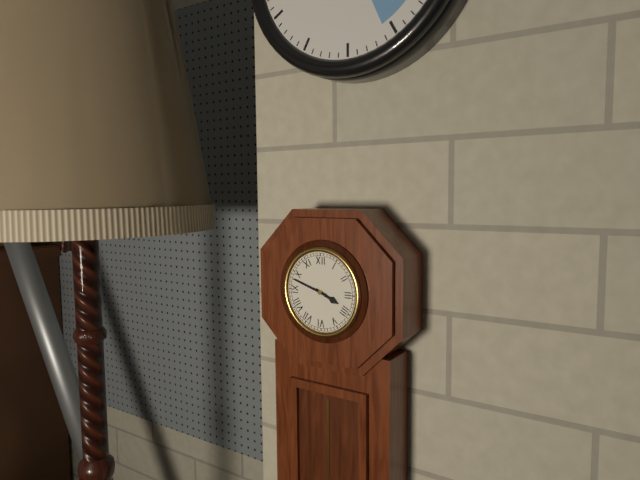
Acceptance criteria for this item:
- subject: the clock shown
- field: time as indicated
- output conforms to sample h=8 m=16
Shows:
h=3 m=48
